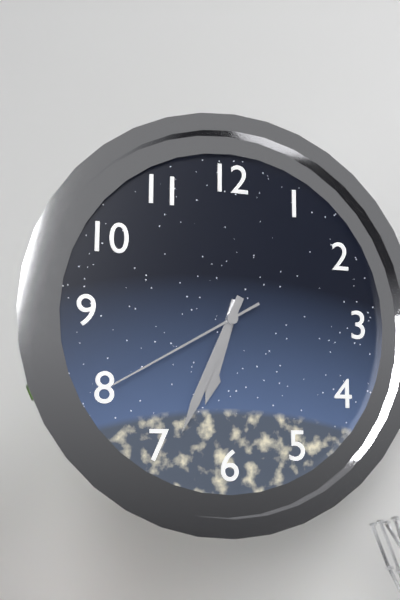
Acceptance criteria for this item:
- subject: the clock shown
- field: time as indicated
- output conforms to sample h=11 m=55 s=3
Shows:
h=6 m=34 s=40
